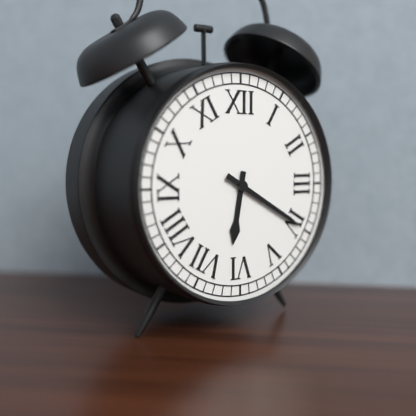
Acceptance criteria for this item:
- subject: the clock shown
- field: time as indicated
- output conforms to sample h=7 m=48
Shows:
h=6 m=20
